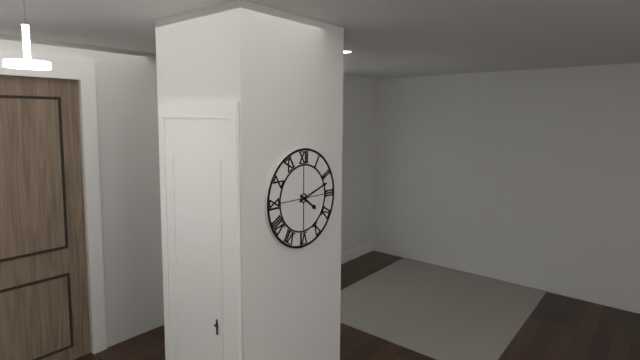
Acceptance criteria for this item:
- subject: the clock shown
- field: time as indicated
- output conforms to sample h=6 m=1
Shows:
h=4 m=12
